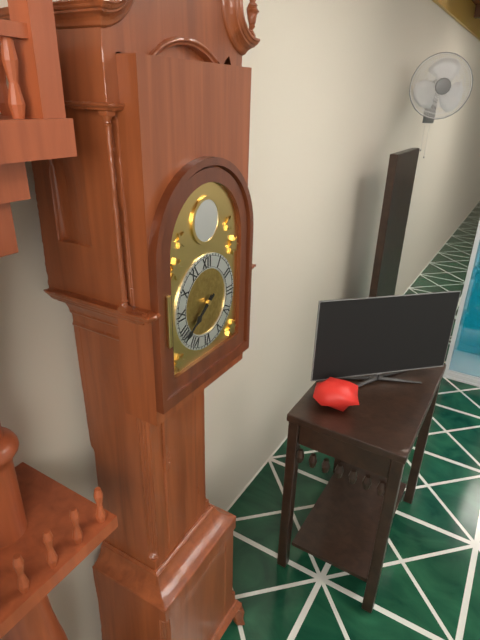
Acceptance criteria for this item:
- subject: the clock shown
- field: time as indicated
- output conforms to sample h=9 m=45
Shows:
h=7 m=39
